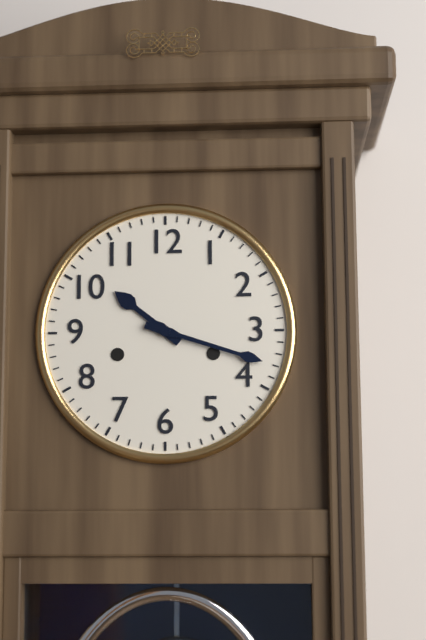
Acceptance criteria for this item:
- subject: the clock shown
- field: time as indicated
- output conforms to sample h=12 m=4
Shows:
h=10 m=18
